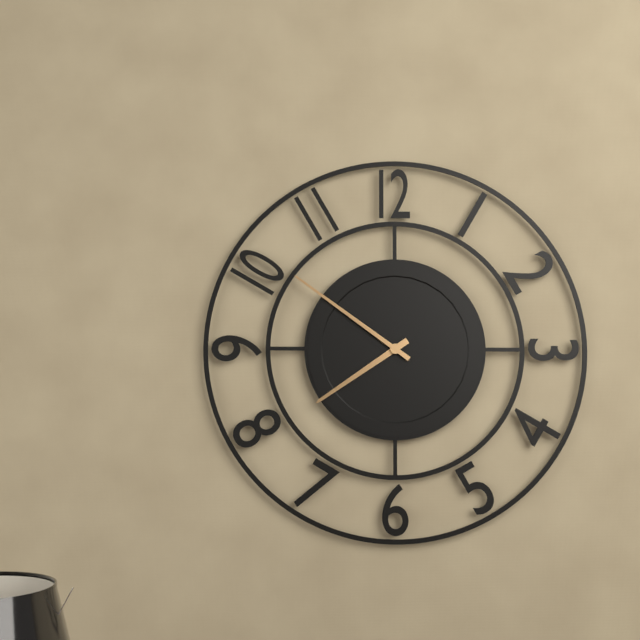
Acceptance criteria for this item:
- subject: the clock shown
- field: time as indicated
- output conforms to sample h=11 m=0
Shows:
h=7 m=51
